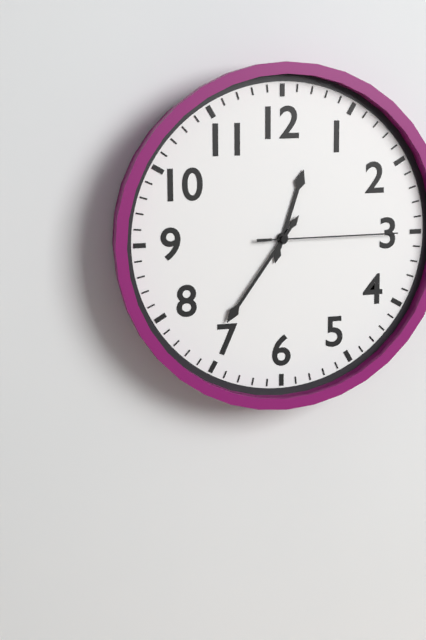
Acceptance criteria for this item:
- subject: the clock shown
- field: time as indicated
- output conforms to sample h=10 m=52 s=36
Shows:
h=12 m=36 s=15
